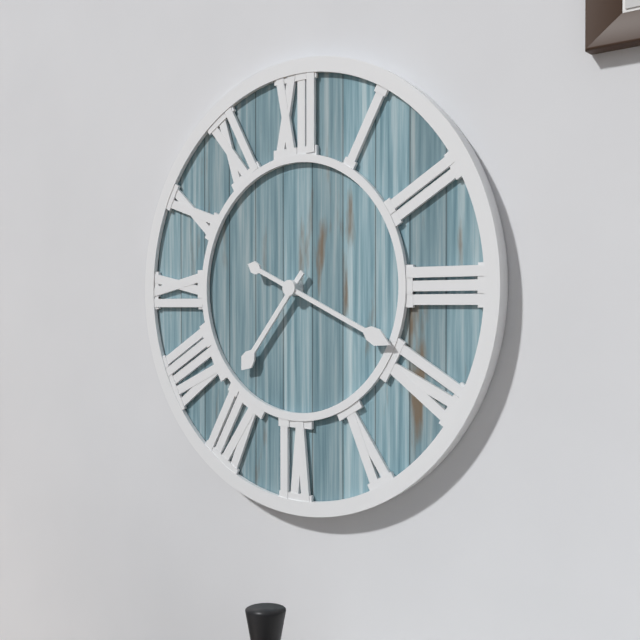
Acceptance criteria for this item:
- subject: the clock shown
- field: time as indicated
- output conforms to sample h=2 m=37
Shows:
h=7 m=19
